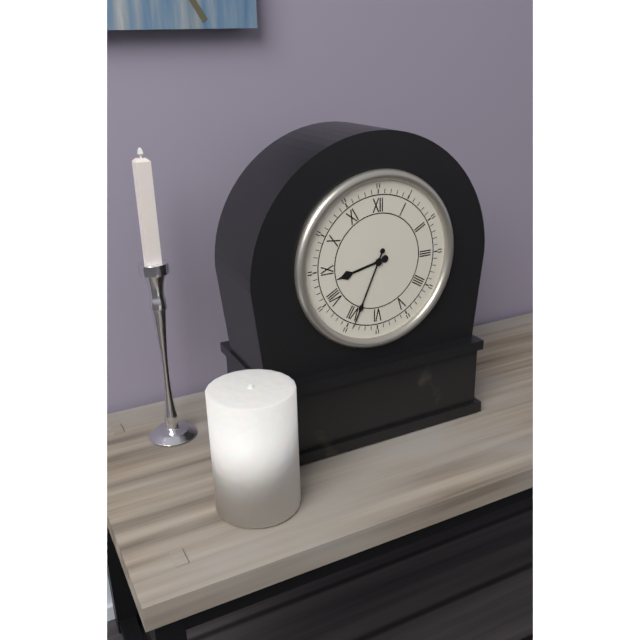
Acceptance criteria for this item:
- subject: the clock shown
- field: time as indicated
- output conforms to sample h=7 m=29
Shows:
h=8 m=34
